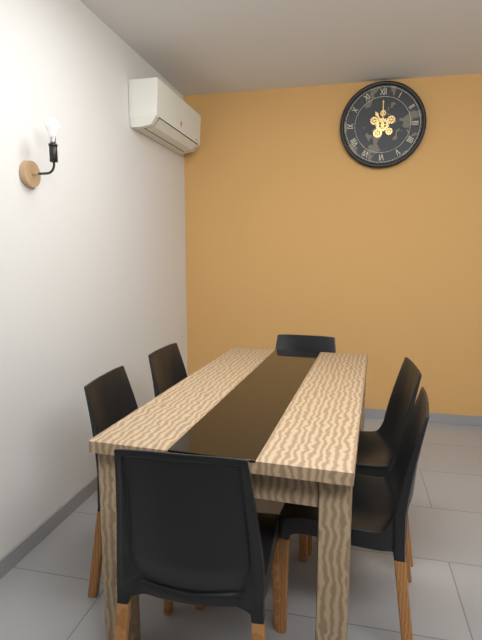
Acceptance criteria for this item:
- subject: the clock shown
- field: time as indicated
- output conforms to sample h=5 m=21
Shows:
h=11 m=0
